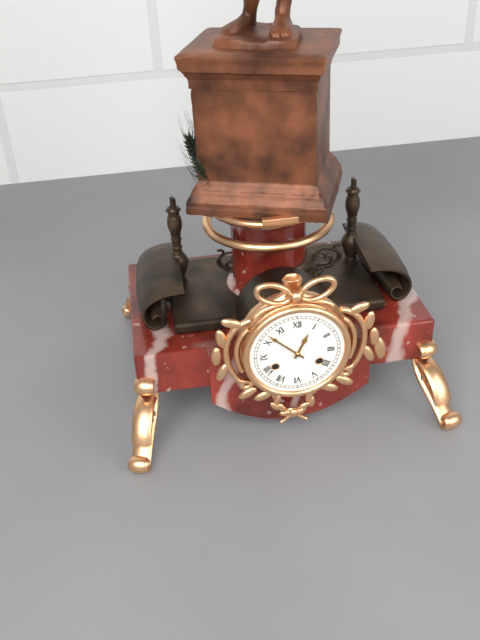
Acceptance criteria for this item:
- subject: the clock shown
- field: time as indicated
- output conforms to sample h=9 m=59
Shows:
h=12 m=52
